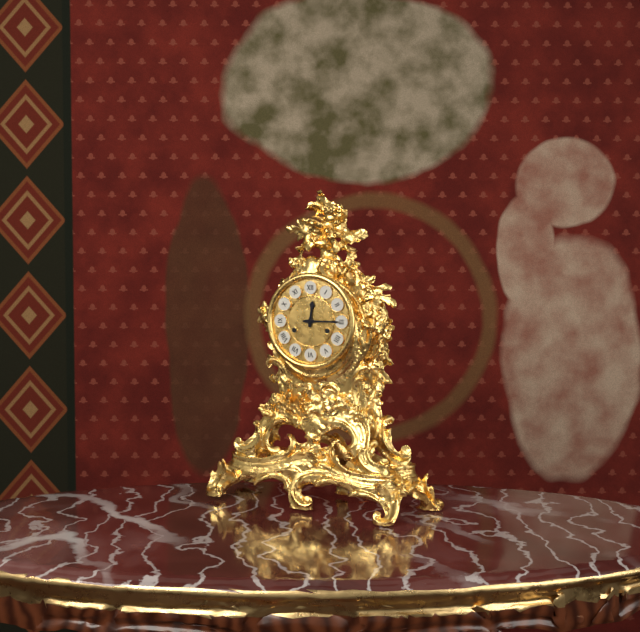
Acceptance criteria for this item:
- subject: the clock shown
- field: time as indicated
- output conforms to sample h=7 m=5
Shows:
h=12 m=15
